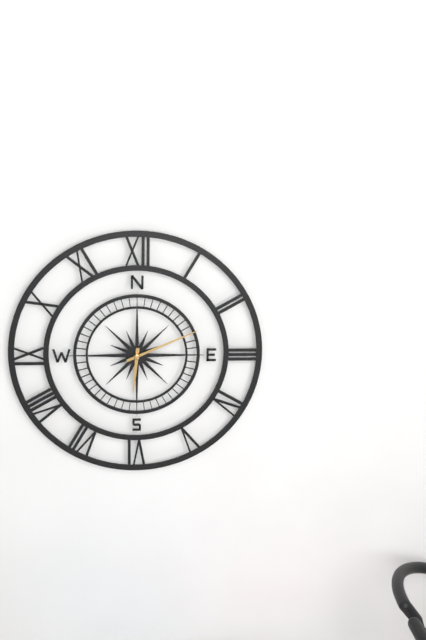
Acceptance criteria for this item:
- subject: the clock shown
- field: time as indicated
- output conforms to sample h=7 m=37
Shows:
h=6 m=11
